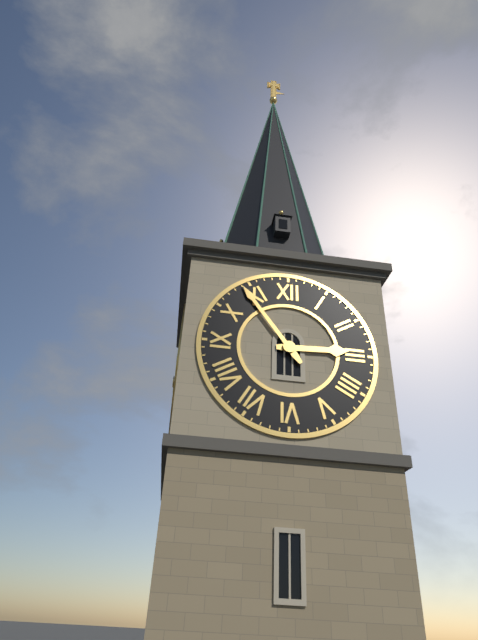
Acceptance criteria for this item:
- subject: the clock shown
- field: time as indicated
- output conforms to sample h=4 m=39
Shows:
h=2 m=54
